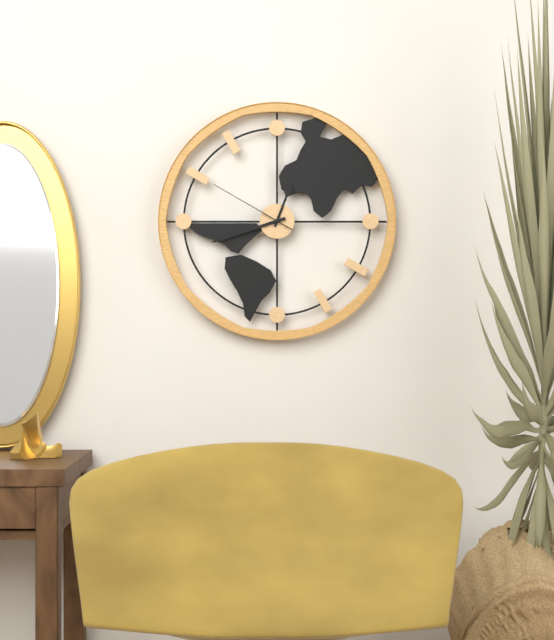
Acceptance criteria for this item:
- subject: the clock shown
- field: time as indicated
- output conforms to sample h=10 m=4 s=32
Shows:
h=12 m=42 s=50
